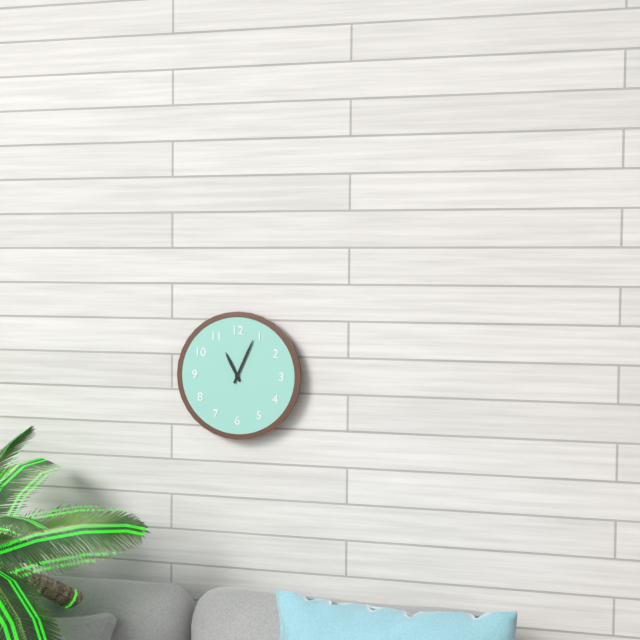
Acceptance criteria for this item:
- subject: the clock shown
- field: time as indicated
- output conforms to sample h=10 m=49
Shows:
h=11 m=4
